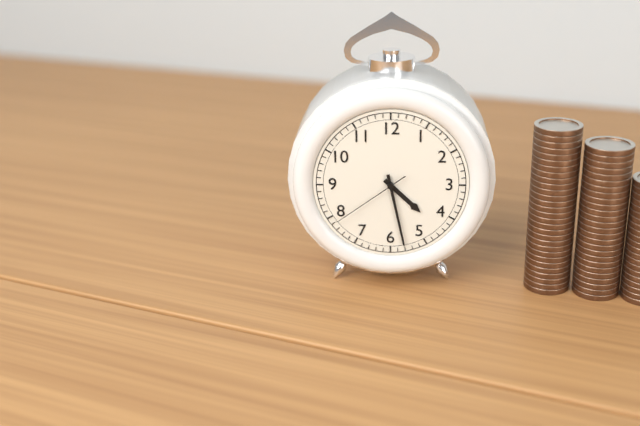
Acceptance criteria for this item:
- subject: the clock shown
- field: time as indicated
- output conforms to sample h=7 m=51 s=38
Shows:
h=4 m=28 s=39
